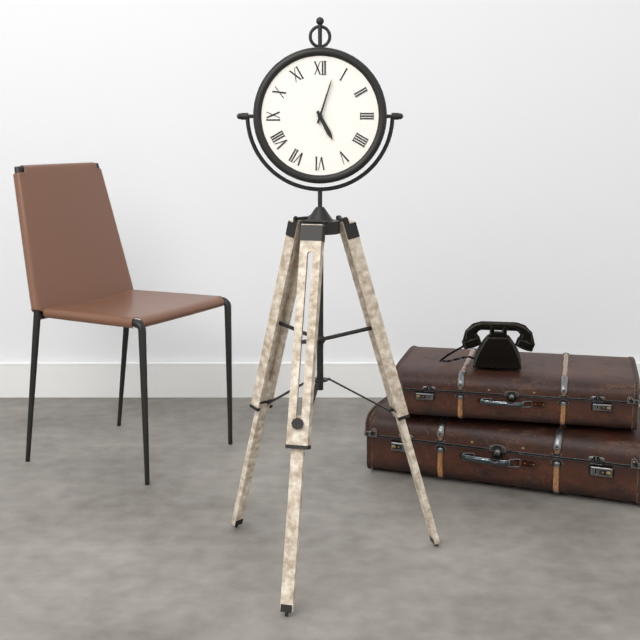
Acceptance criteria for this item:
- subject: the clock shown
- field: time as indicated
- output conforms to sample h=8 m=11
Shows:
h=5 m=3
